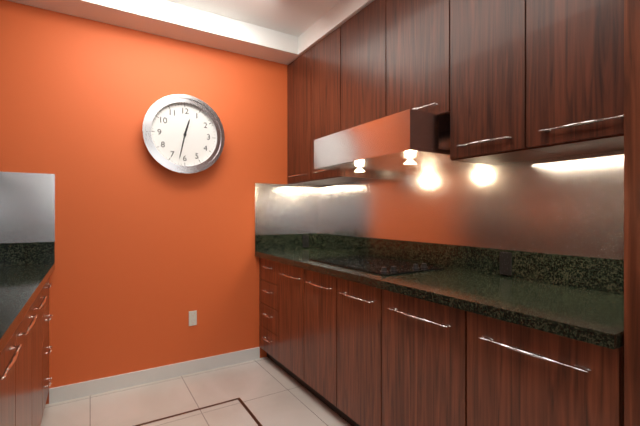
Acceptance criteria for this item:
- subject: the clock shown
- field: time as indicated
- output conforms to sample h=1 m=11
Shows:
h=12 m=32
